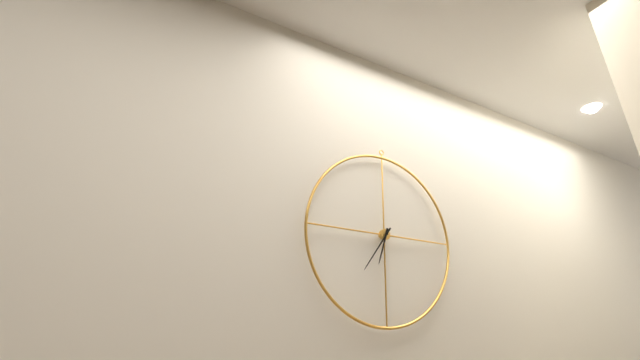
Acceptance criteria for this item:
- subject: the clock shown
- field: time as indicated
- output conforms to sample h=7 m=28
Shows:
h=6 m=36
